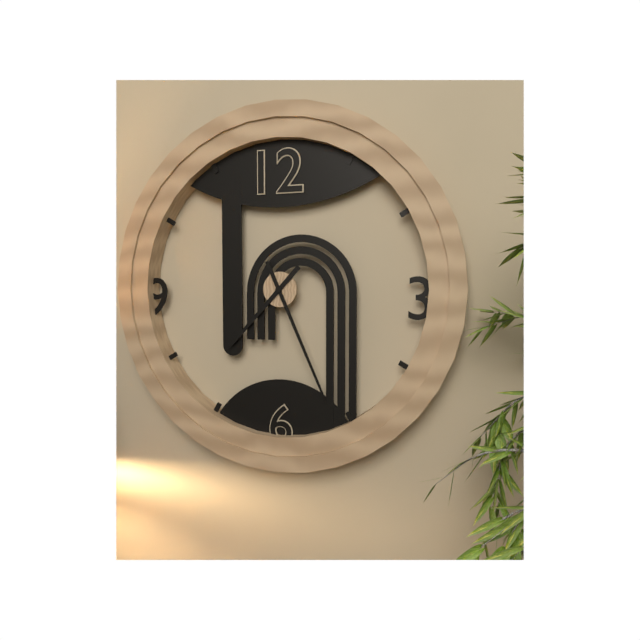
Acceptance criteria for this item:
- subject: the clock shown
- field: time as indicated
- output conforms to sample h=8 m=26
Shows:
h=7 m=26
